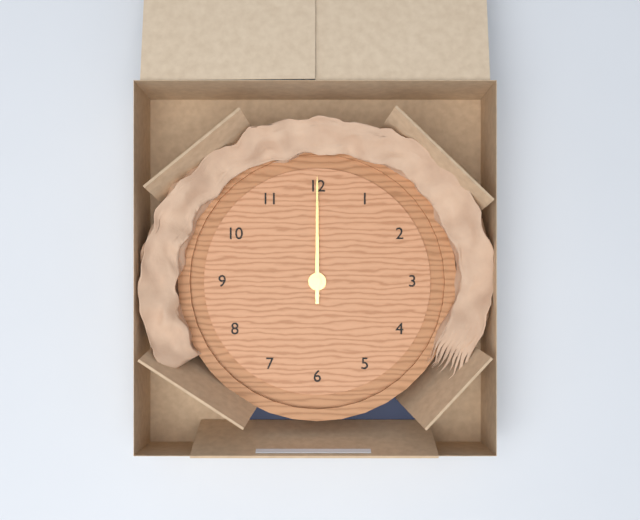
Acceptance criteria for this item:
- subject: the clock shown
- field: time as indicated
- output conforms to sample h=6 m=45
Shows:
h=12 m=0
